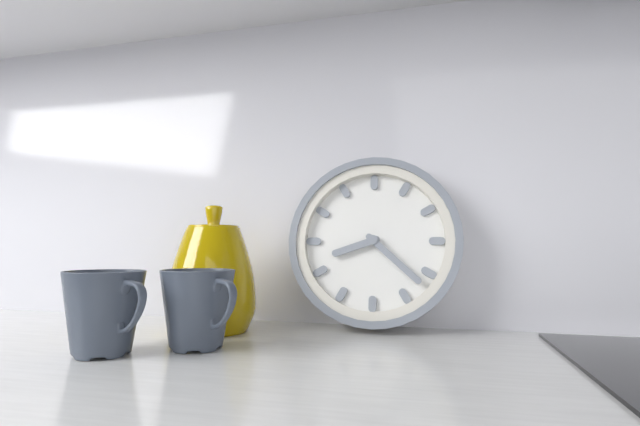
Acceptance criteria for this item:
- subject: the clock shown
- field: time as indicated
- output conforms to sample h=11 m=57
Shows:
h=8 m=22
